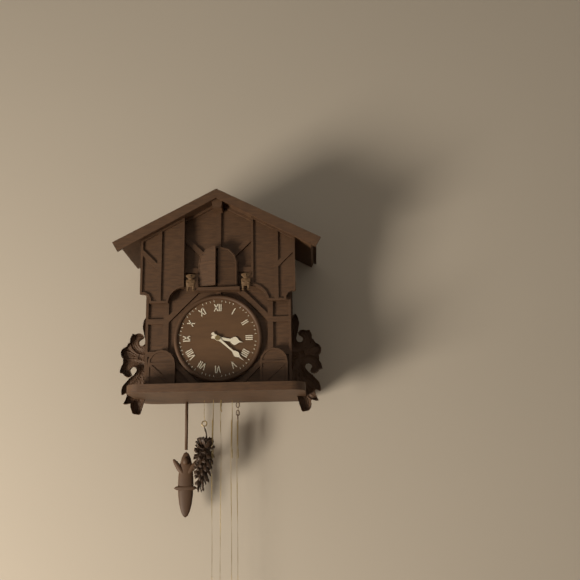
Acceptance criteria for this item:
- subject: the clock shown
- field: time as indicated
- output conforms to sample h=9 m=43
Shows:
h=3 m=22
